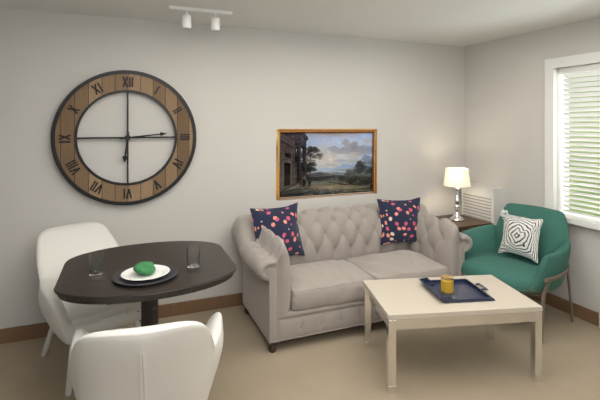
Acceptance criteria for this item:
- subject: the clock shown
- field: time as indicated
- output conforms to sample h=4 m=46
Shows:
h=6 m=14
